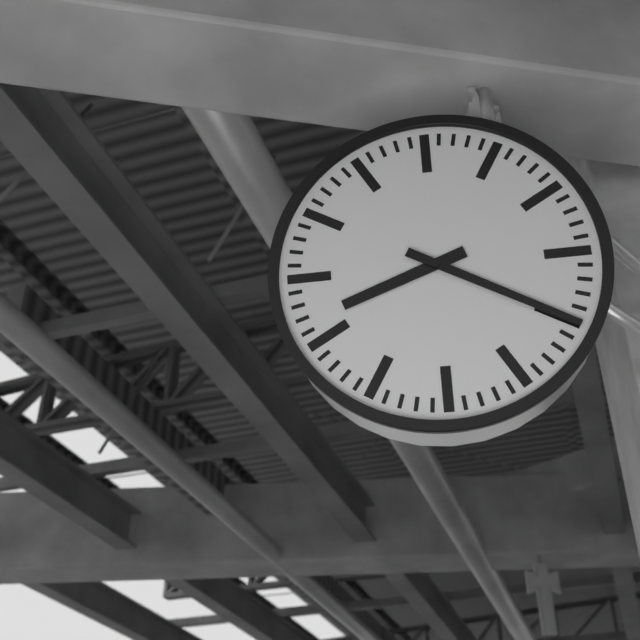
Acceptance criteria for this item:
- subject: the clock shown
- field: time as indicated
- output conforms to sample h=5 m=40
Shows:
h=8 m=20
